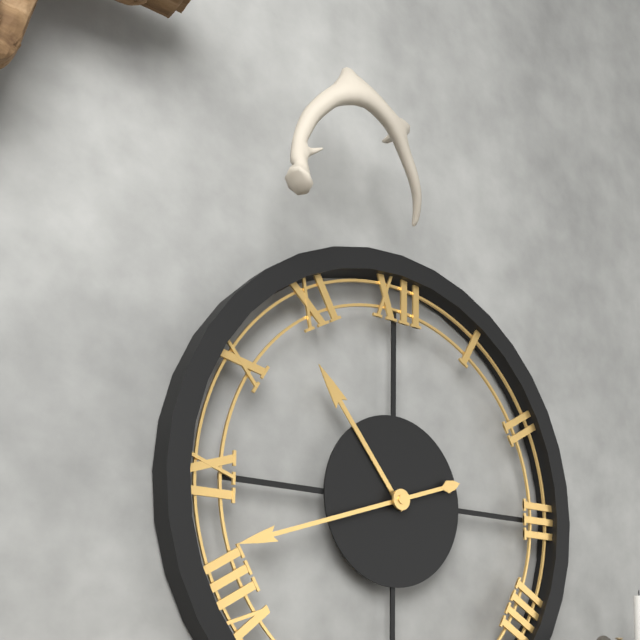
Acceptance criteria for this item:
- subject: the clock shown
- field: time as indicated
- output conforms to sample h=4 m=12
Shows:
h=10 m=42
